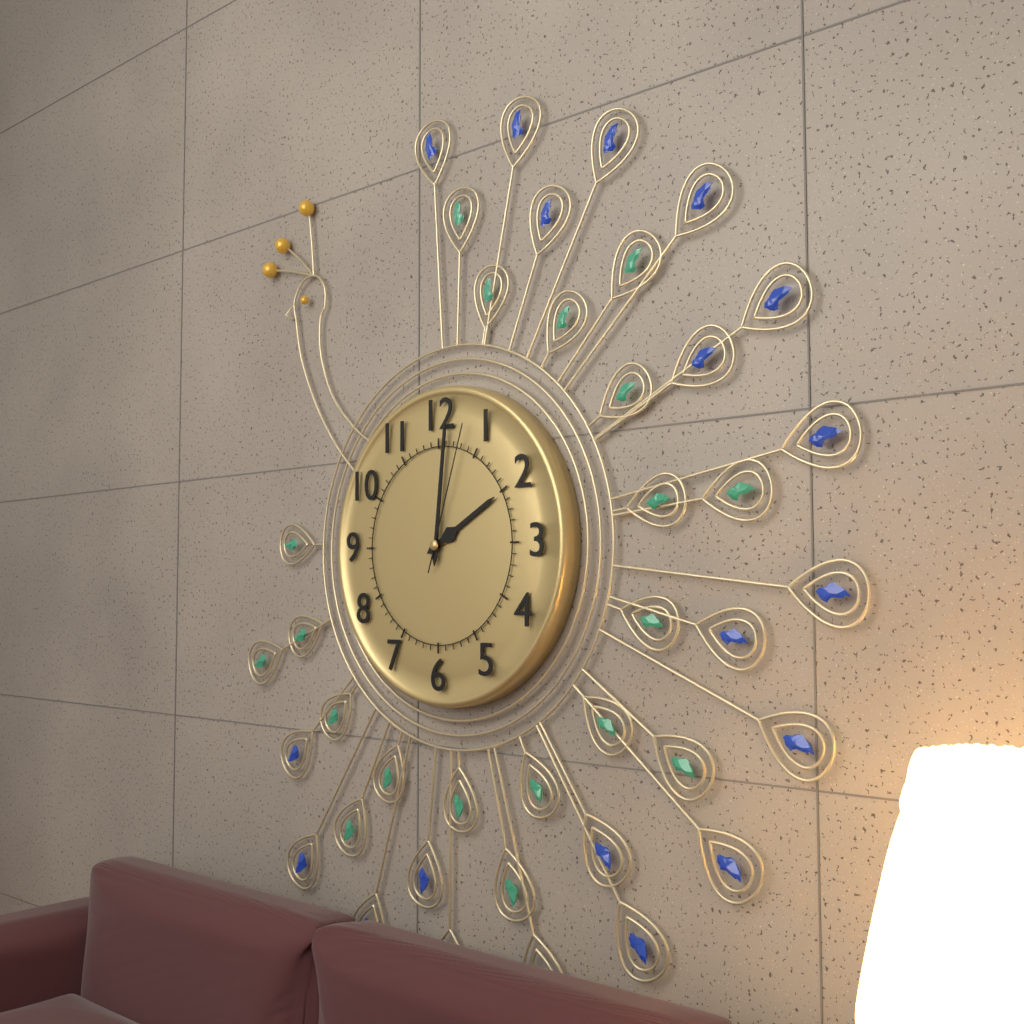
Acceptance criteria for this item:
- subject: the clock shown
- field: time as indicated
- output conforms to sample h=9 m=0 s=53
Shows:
h=2 m=1 s=3
